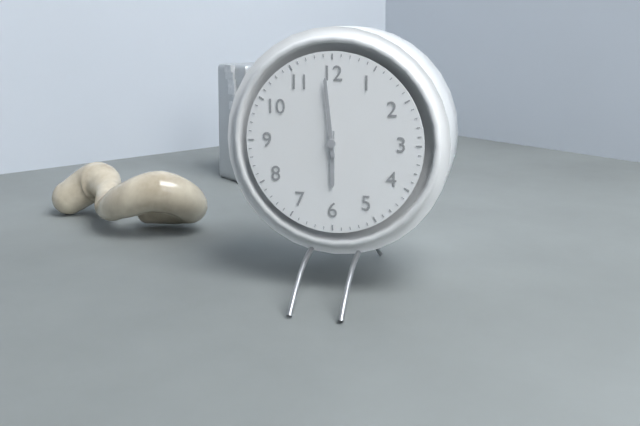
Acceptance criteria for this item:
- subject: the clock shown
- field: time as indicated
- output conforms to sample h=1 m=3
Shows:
h=5 m=59
